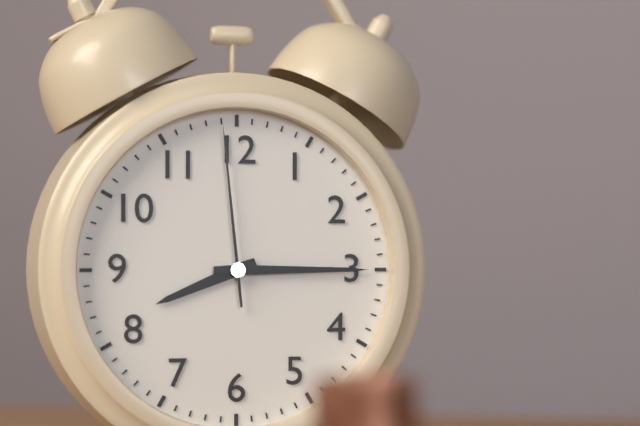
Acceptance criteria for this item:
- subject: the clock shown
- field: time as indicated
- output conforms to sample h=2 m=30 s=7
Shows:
h=8 m=15 s=59
